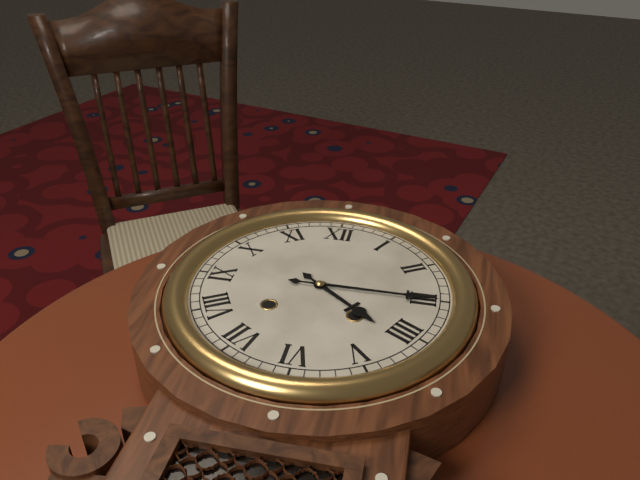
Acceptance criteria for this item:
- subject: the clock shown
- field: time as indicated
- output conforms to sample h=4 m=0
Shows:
h=4 m=15
